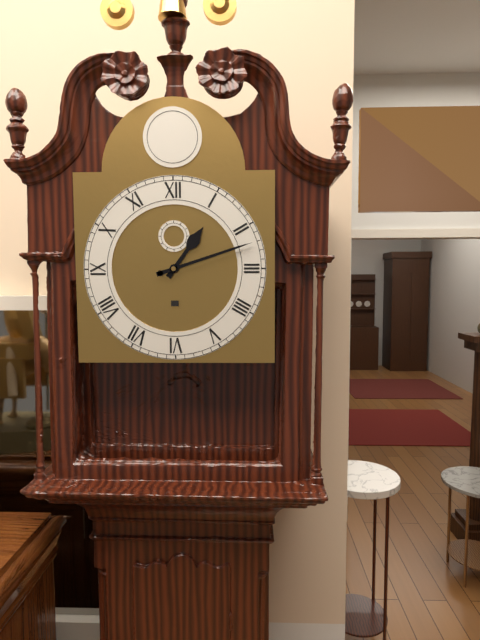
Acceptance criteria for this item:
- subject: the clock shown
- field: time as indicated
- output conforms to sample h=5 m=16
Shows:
h=1 m=12
